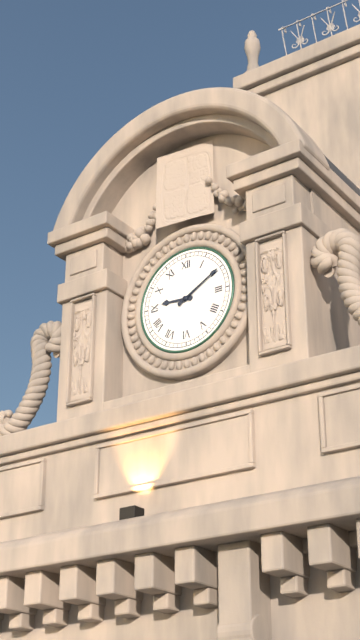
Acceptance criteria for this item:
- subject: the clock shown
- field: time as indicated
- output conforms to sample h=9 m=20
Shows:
h=9 m=10
